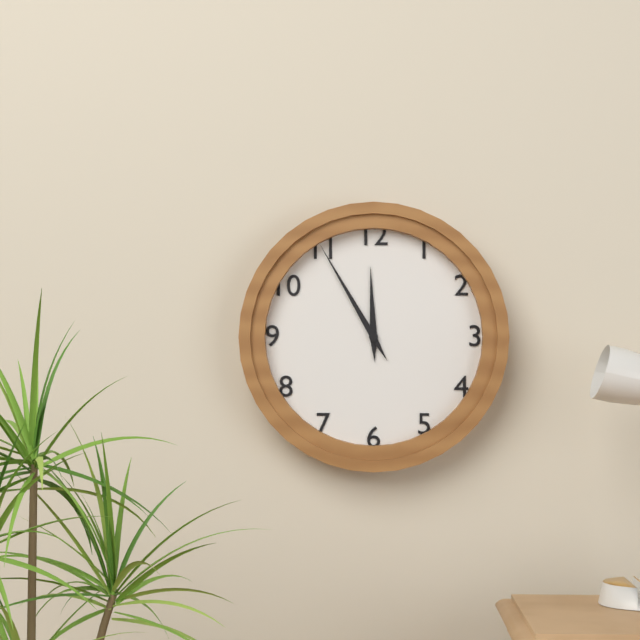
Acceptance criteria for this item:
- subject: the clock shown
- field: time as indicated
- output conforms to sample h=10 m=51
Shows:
h=11 m=55
